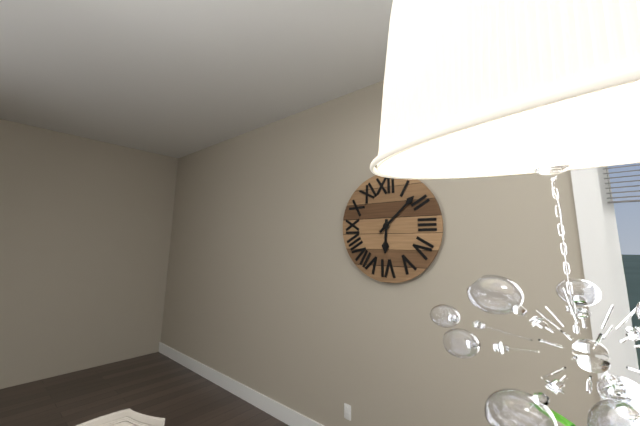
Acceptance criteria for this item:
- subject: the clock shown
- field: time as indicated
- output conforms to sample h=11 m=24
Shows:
h=6 m=8
